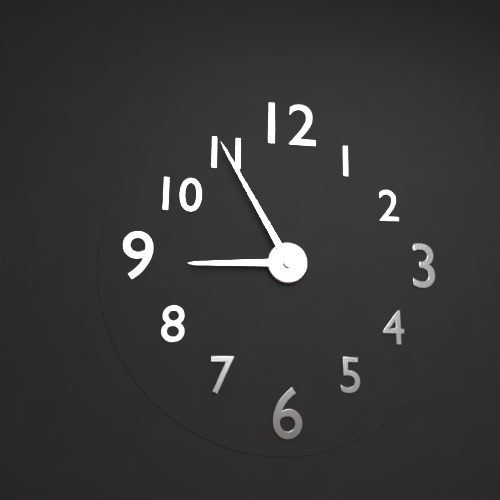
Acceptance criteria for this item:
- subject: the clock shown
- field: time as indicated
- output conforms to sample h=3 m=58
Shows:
h=8 m=55
